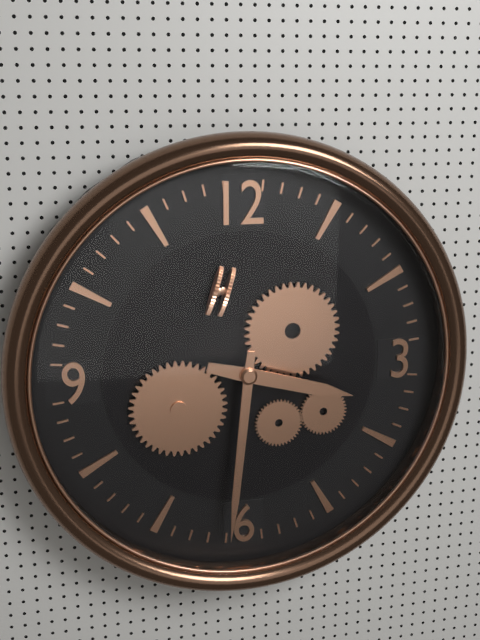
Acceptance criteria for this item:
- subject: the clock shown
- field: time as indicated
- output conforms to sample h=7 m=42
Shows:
h=3 m=31
